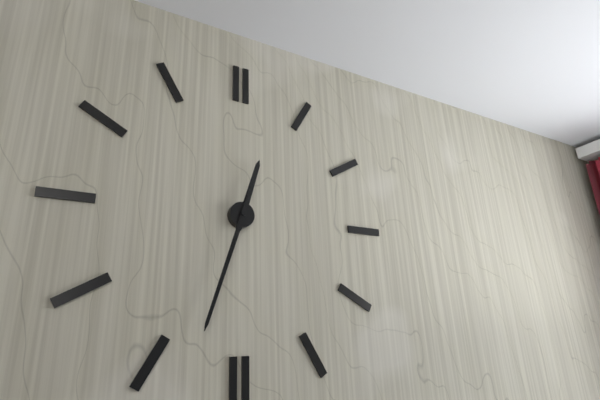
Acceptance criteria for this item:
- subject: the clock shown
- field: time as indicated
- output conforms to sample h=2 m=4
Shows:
h=12 m=33
